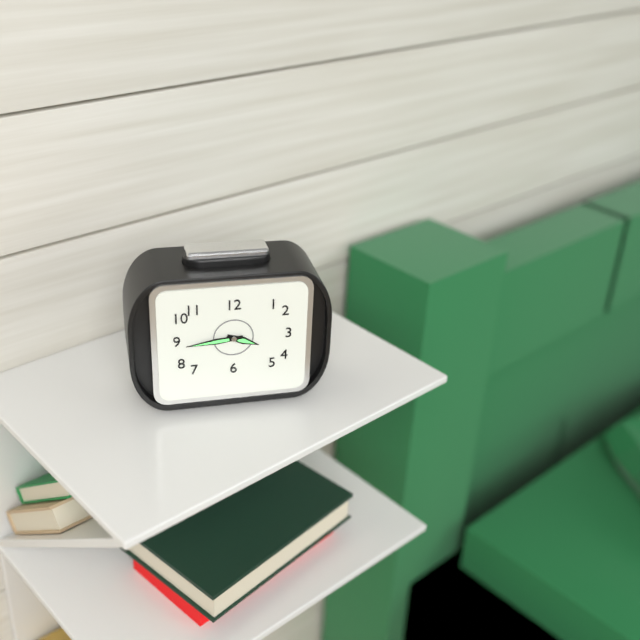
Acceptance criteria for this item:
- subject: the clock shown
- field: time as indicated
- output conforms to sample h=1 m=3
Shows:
h=3 m=44
